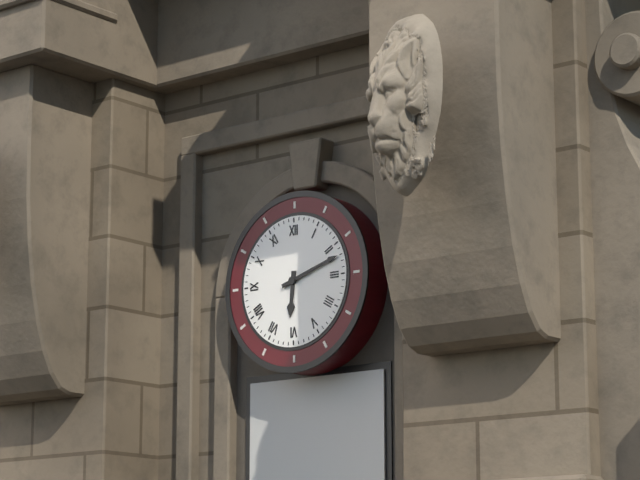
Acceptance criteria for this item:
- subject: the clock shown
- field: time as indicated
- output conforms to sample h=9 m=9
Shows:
h=6 m=12
